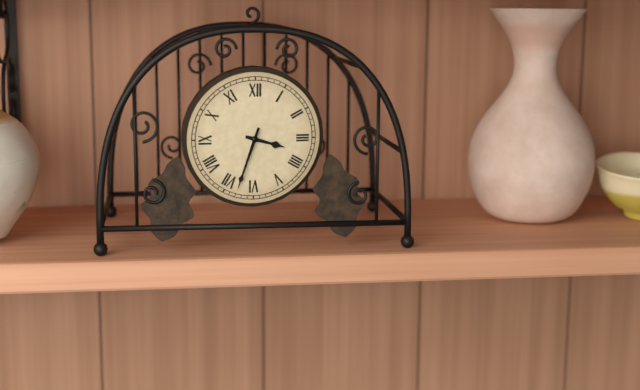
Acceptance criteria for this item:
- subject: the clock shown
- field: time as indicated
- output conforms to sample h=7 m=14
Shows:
h=3 m=33
